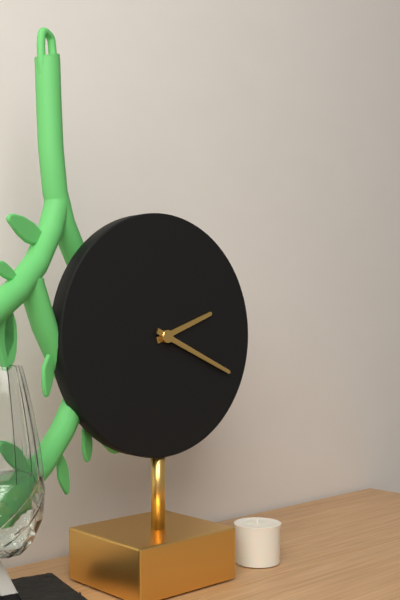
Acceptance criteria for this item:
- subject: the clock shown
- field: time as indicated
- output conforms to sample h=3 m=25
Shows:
h=2 m=19
